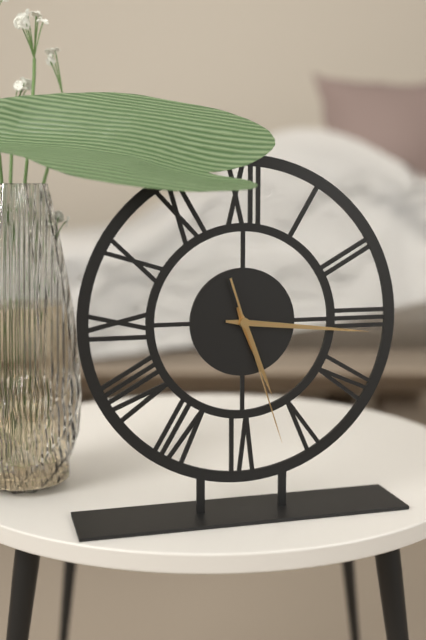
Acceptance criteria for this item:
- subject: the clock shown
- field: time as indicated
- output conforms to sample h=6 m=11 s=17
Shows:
h=5 m=16 s=27
